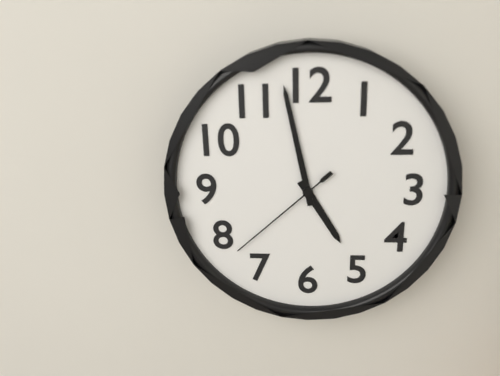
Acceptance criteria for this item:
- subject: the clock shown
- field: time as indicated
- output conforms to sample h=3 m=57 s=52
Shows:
h=4 m=58 s=38
